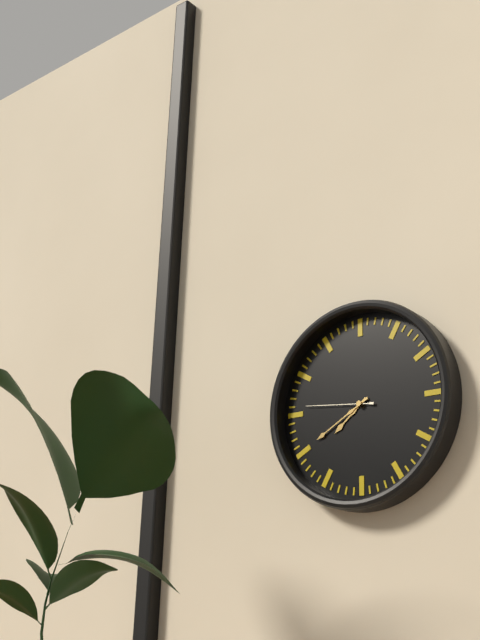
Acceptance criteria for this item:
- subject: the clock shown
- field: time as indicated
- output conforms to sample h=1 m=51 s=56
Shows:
h=7 m=40 s=46
